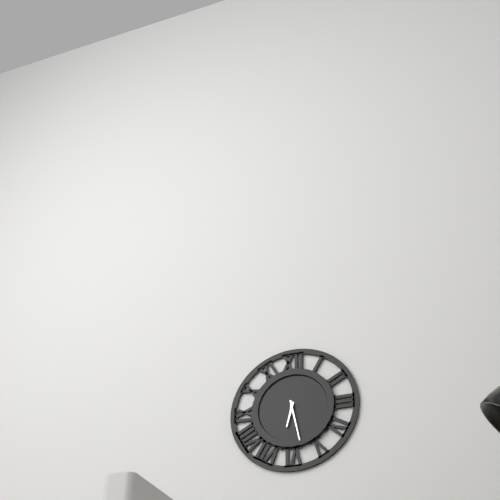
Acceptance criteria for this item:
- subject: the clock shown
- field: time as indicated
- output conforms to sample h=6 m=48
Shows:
h=6 m=28
